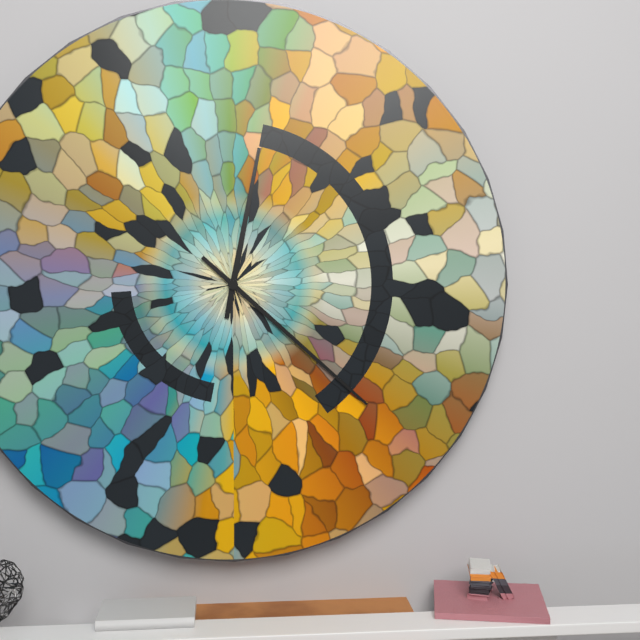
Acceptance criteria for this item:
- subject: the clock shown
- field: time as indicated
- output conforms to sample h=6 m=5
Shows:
h=12 m=22
